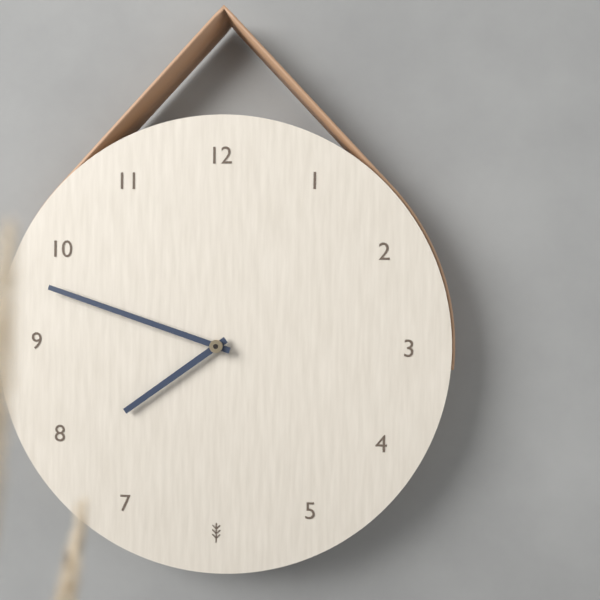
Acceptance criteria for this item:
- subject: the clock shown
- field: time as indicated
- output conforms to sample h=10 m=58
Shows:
h=7 m=48
